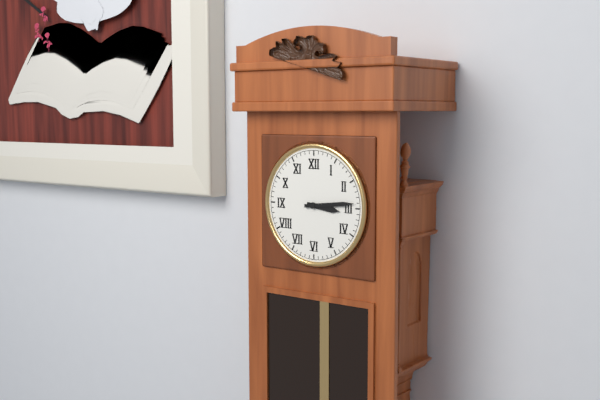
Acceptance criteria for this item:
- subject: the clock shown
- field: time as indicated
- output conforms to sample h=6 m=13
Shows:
h=3 m=14
